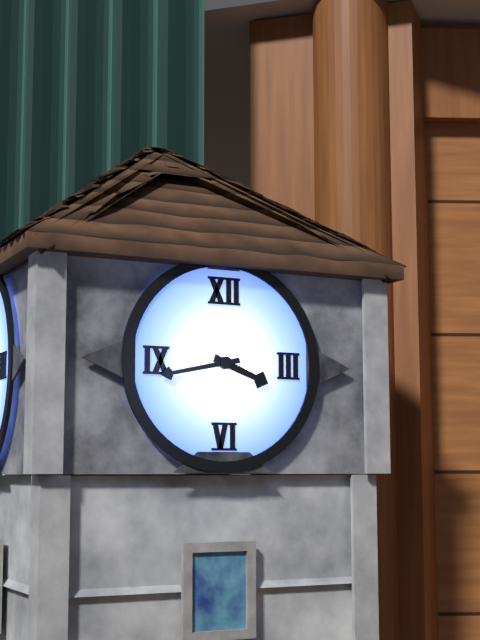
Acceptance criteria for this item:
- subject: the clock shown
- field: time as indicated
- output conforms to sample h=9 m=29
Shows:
h=3 m=43
